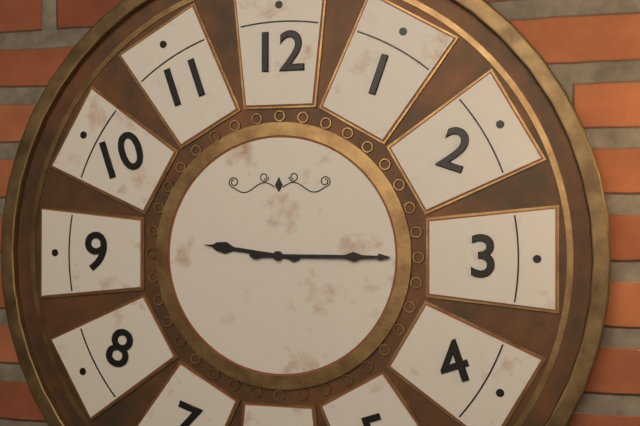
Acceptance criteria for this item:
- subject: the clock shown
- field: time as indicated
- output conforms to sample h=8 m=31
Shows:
h=9 m=15
